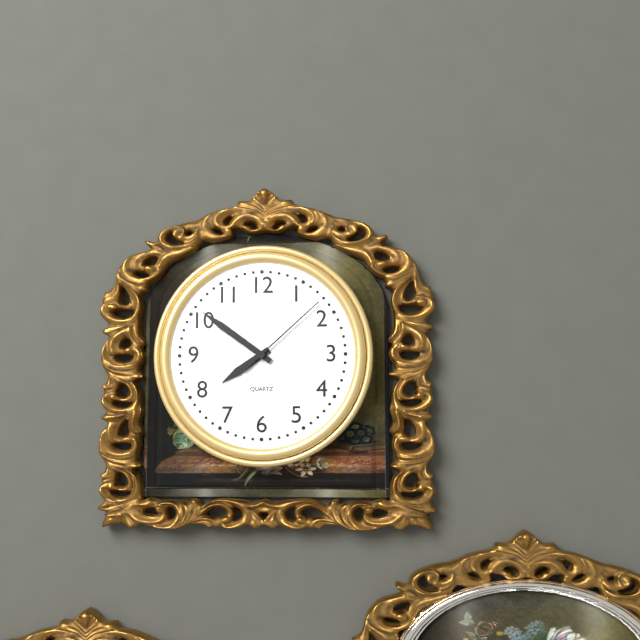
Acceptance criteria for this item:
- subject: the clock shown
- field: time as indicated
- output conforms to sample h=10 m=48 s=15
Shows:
h=7 m=51 s=8
